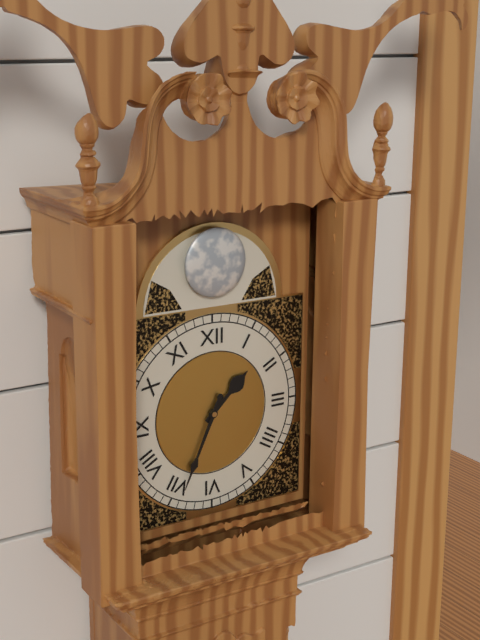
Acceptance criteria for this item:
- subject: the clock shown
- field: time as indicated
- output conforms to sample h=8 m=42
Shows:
h=1 m=34
